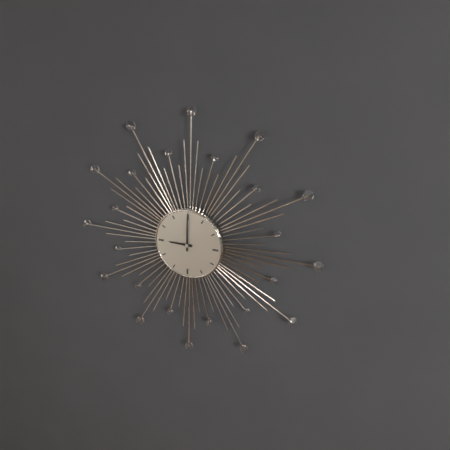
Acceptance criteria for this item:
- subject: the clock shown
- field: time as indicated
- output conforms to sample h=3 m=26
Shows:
h=9 m=0
